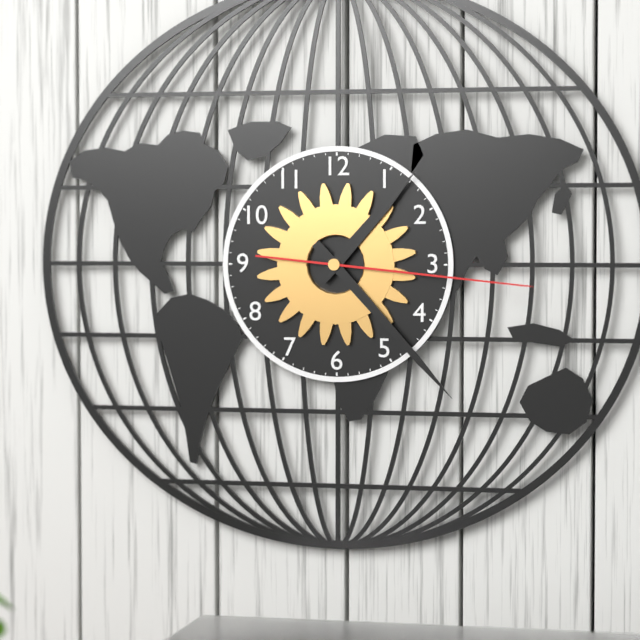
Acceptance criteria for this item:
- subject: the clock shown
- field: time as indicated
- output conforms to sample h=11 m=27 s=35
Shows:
h=1 m=23 s=16
